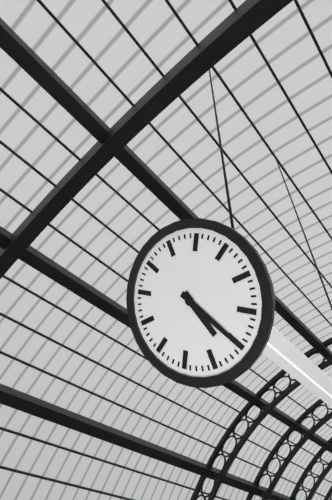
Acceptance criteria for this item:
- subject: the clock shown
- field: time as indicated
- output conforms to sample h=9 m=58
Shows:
h=5 m=25
